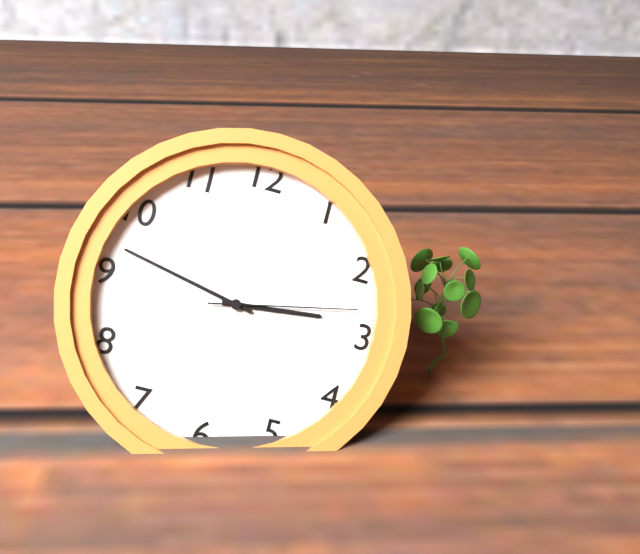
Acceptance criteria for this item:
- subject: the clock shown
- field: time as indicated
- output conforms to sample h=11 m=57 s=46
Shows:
h=2 m=47 s=13
